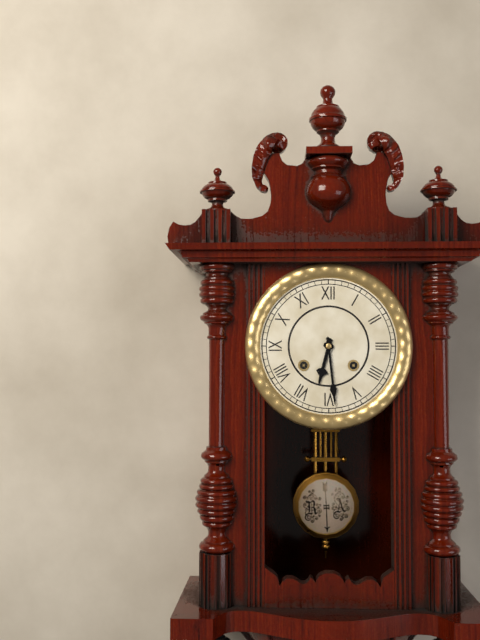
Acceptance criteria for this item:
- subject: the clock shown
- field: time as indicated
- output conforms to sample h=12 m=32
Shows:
h=6 m=29
